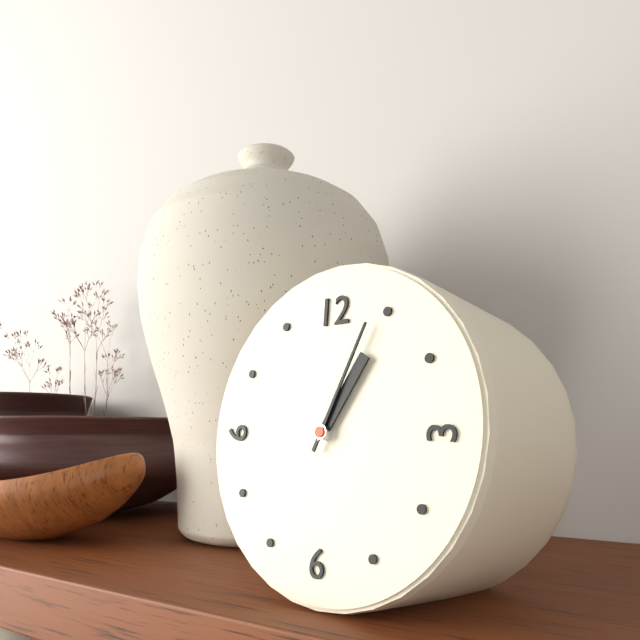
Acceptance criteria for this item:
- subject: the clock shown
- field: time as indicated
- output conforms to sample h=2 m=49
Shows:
h=1 m=4
